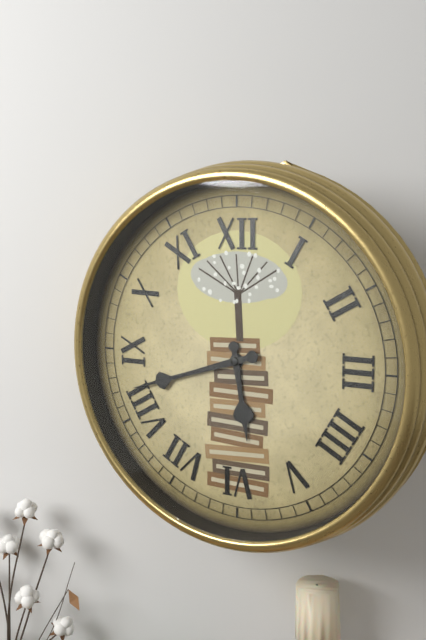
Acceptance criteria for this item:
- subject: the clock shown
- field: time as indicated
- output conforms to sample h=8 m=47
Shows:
h=5 m=42
